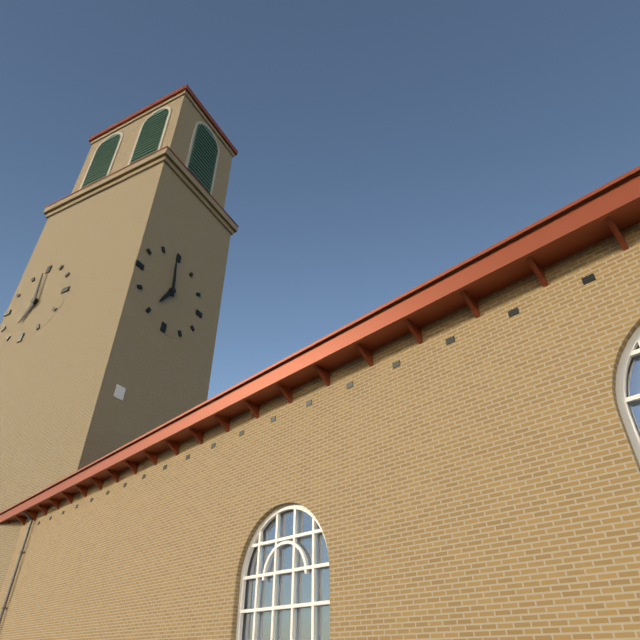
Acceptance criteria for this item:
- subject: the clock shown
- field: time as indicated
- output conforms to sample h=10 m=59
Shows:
h=6 m=59
